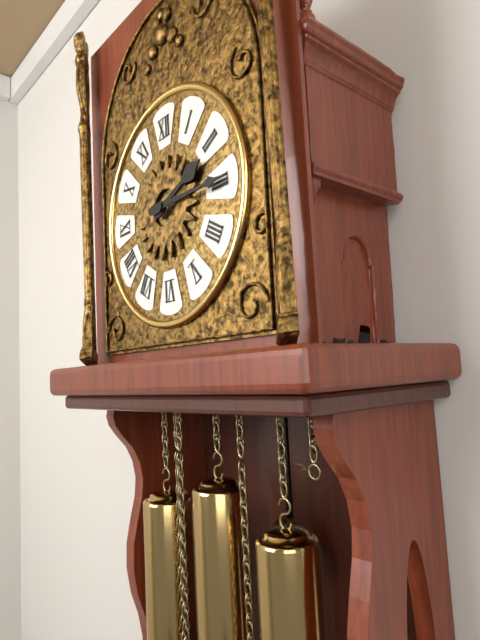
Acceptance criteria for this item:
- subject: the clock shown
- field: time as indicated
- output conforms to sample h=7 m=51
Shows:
h=2 m=15
